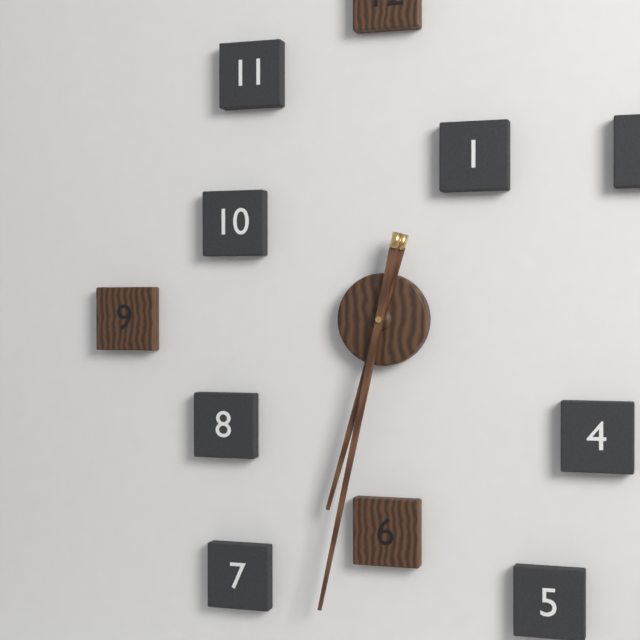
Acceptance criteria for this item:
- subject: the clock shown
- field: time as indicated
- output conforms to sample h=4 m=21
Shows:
h=6 m=32
